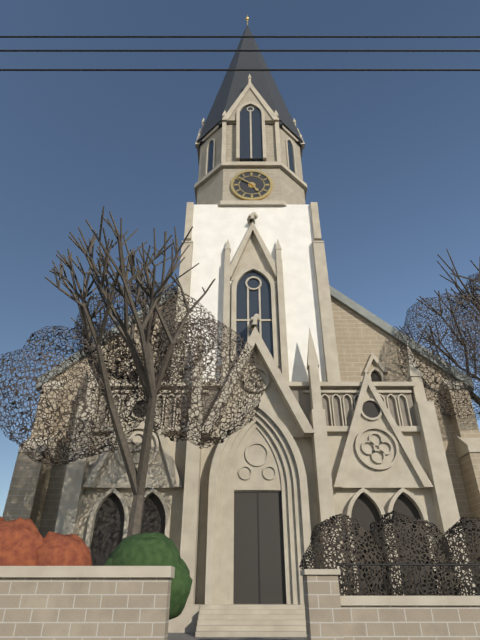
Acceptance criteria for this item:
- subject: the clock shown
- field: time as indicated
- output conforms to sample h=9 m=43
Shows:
h=4 m=51
